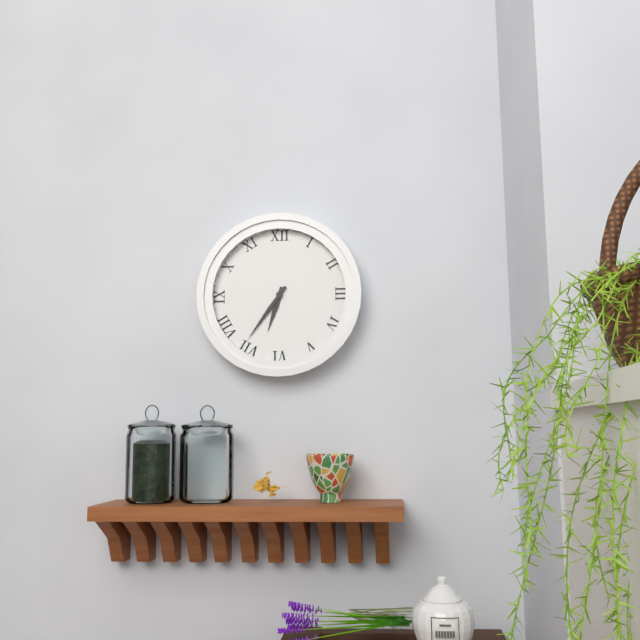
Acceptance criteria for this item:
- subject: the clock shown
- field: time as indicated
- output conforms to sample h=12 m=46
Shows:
h=6 m=36
